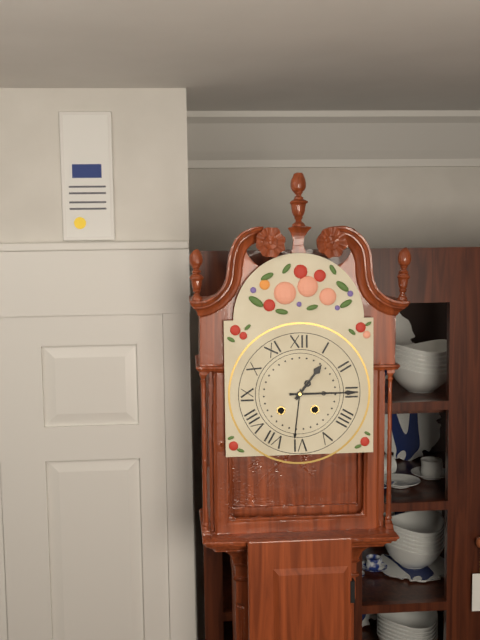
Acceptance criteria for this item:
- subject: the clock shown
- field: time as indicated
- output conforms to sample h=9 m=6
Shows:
h=1 m=15
